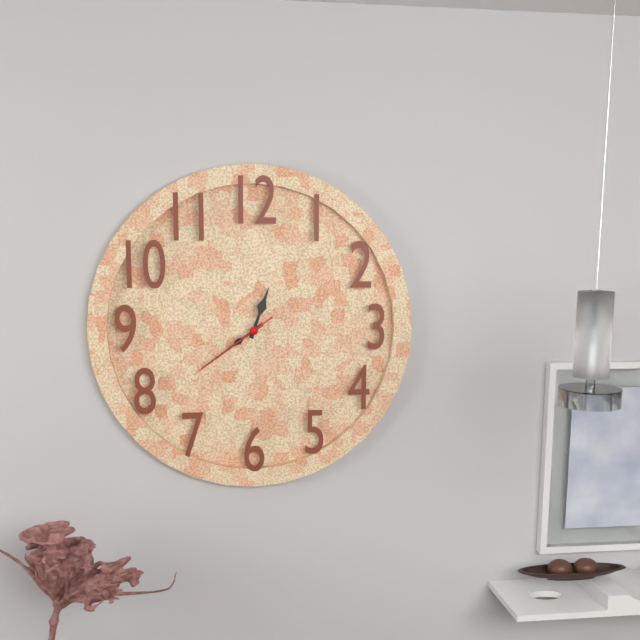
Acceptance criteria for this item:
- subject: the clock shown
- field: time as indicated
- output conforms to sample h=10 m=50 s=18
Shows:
h=12 m=39 s=39
